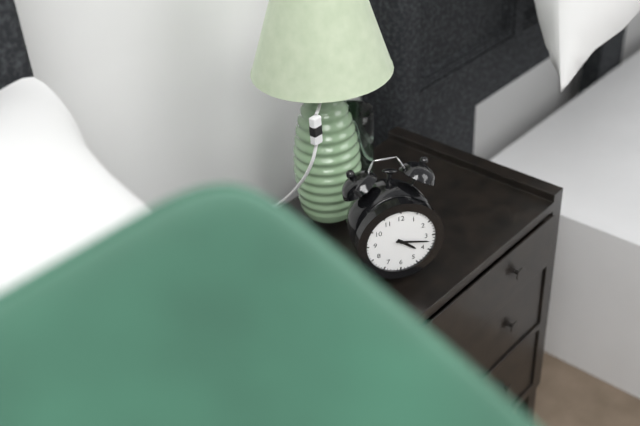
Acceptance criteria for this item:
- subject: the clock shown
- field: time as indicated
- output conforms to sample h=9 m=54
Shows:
h=4 m=17
